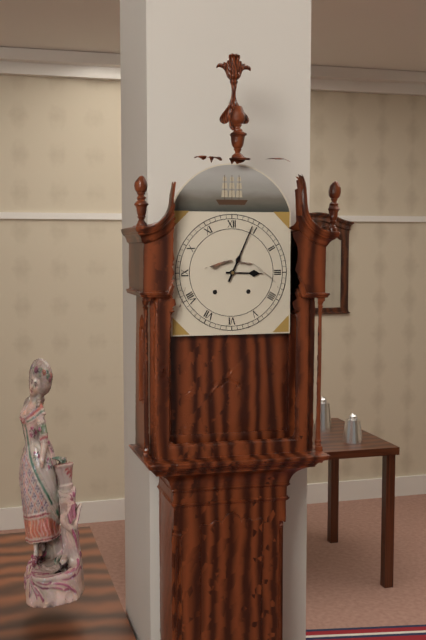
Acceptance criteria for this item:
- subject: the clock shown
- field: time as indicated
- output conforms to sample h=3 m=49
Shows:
h=3 m=4
